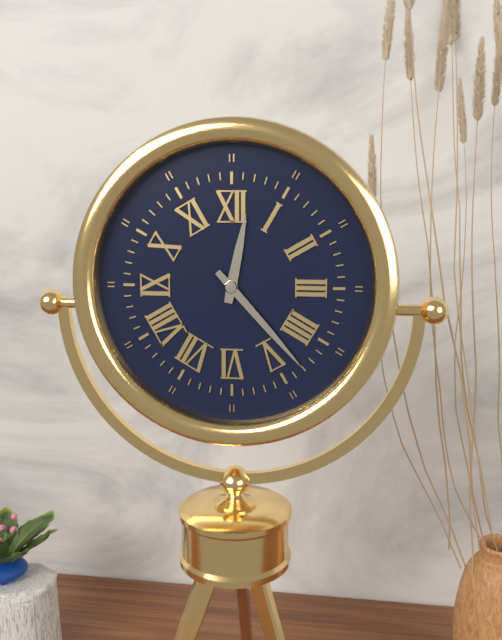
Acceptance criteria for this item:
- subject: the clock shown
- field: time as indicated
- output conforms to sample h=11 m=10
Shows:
h=12 m=23
